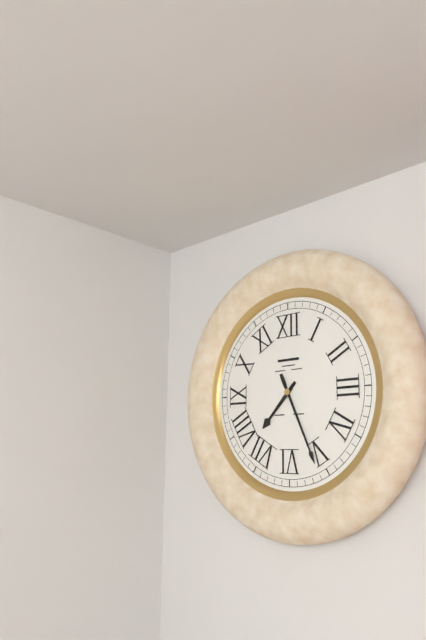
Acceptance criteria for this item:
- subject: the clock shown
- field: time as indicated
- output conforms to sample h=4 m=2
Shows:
h=7 m=26
